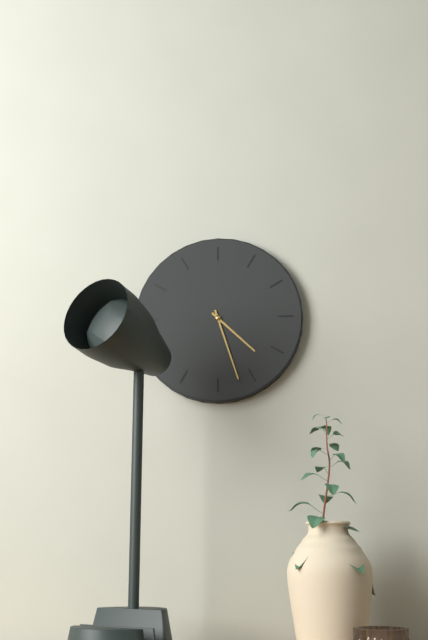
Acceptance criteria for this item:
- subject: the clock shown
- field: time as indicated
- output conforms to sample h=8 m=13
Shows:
h=4 m=27
